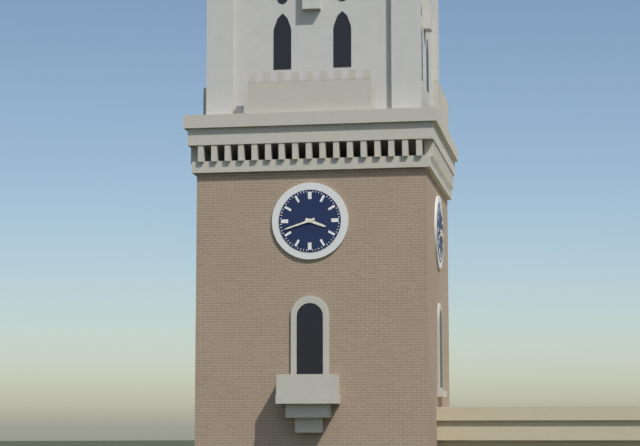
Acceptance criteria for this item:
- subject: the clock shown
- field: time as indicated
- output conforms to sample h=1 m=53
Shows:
h=3 m=42
